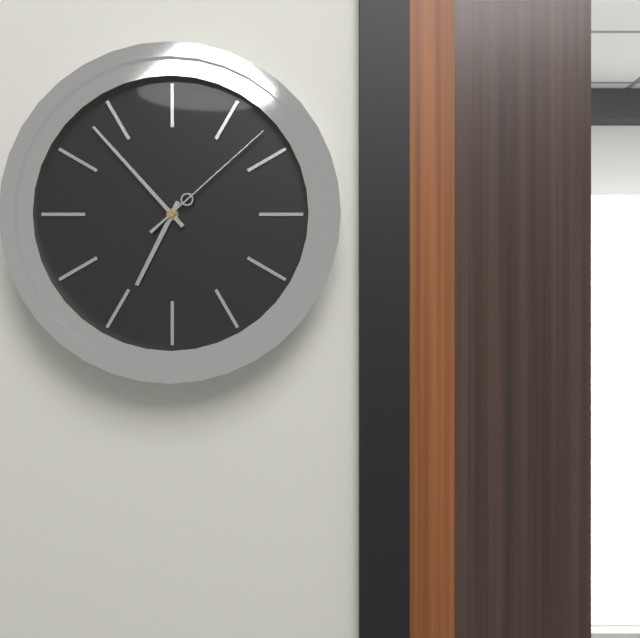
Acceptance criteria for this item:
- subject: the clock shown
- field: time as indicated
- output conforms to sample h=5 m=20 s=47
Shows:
h=6 m=53 s=8
